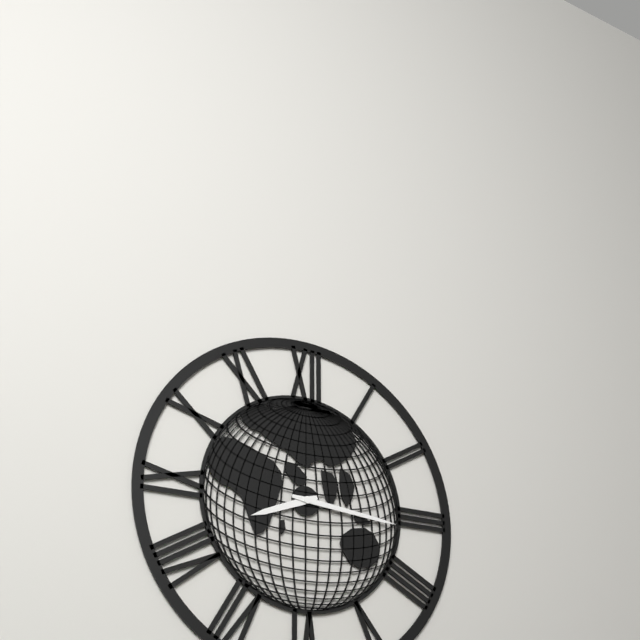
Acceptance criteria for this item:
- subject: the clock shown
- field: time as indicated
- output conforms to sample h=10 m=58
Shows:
h=8 m=16
